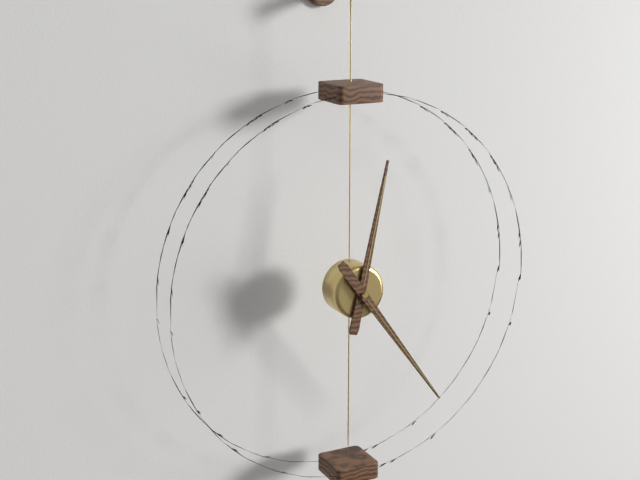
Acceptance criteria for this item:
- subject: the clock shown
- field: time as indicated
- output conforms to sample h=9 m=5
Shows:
h=12 m=24
